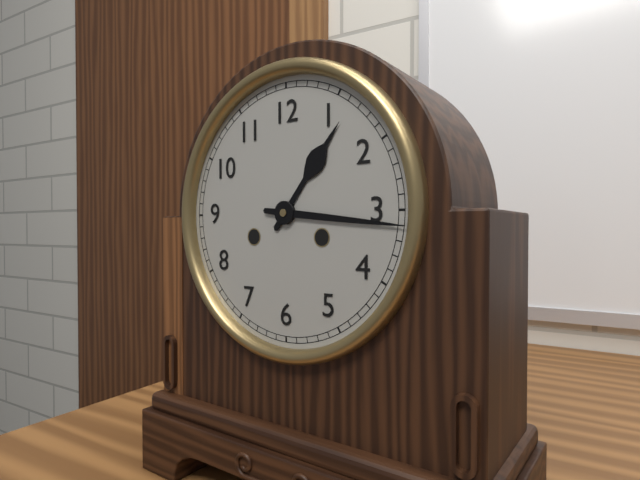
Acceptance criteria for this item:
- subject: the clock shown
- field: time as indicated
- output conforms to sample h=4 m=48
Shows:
h=1 m=16
